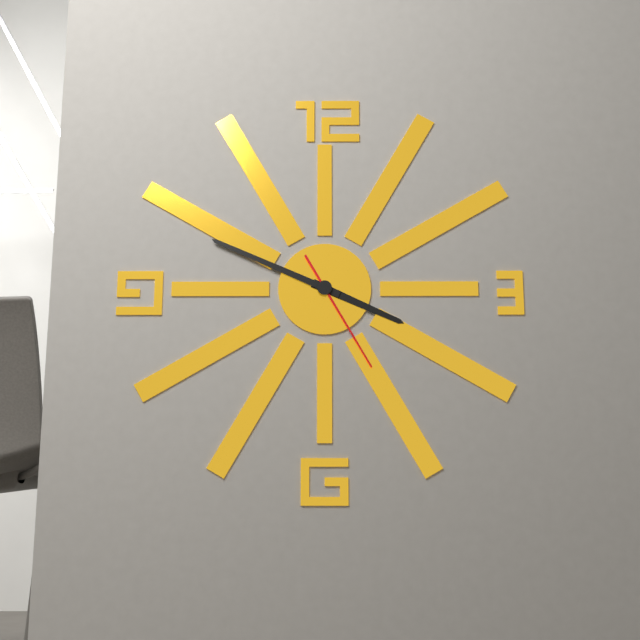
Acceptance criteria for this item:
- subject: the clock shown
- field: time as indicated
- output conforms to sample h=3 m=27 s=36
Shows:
h=3 m=49 s=25
